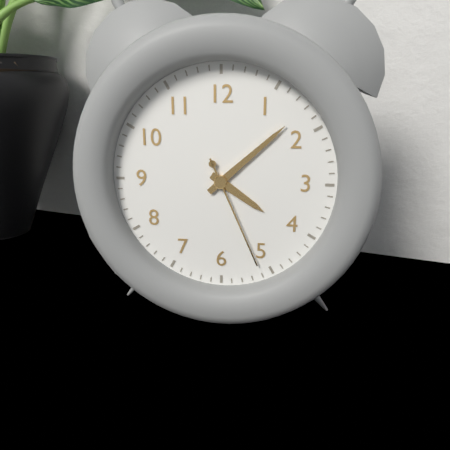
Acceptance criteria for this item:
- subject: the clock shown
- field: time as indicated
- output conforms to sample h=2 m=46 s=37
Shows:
h=4 m=8 s=26
